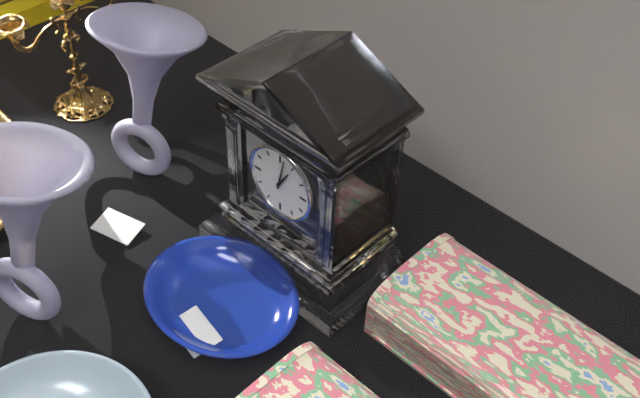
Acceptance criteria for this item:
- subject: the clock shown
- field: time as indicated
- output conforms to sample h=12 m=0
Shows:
h=1 m=2
